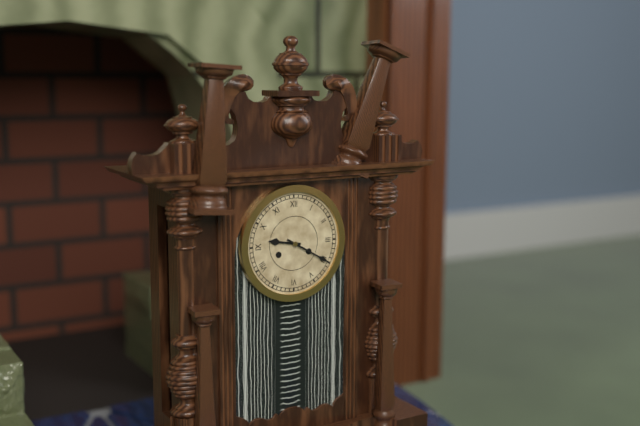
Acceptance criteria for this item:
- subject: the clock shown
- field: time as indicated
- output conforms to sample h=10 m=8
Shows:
h=9 m=20
